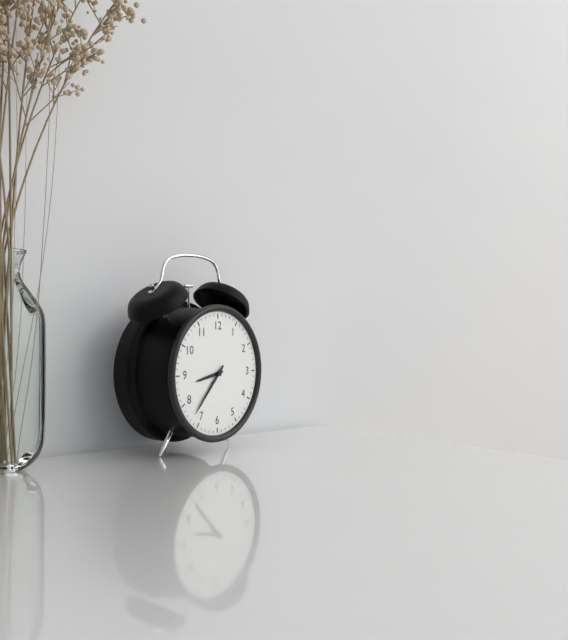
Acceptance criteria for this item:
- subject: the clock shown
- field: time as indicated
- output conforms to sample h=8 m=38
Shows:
h=8 m=37
